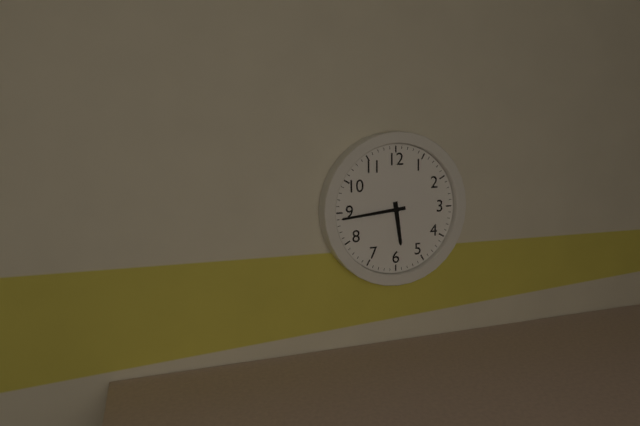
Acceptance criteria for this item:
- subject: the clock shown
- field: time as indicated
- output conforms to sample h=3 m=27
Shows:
h=5 m=44
